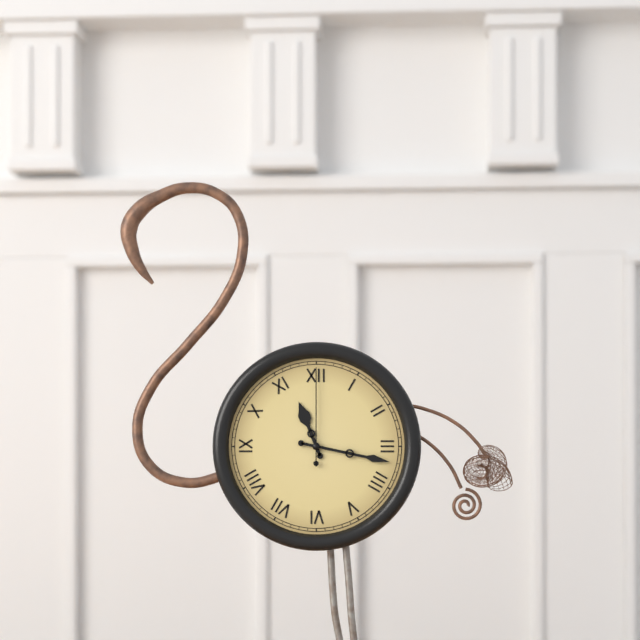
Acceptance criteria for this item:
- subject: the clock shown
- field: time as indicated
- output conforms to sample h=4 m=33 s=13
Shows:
h=11 m=17 s=0
